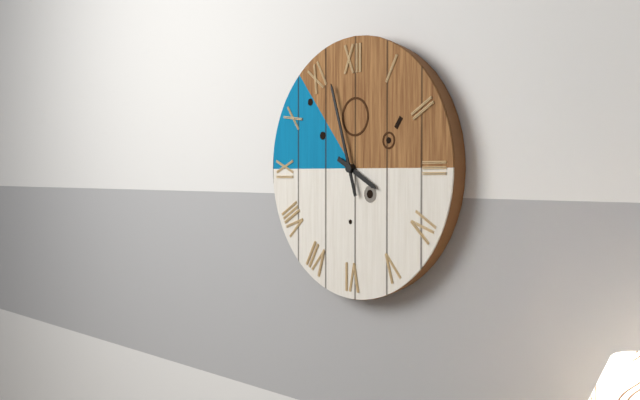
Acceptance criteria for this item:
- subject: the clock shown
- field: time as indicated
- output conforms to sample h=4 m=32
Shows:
h=3 m=57
